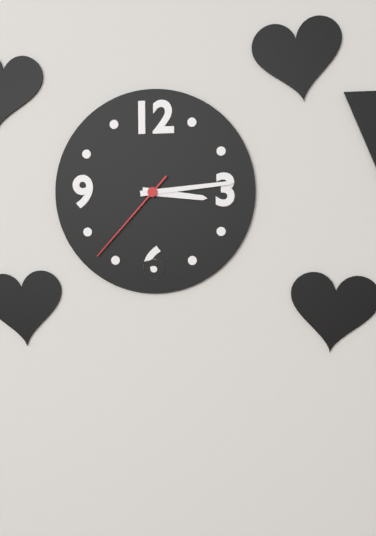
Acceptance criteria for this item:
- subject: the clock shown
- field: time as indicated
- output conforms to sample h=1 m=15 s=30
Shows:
h=3 m=14 s=37
